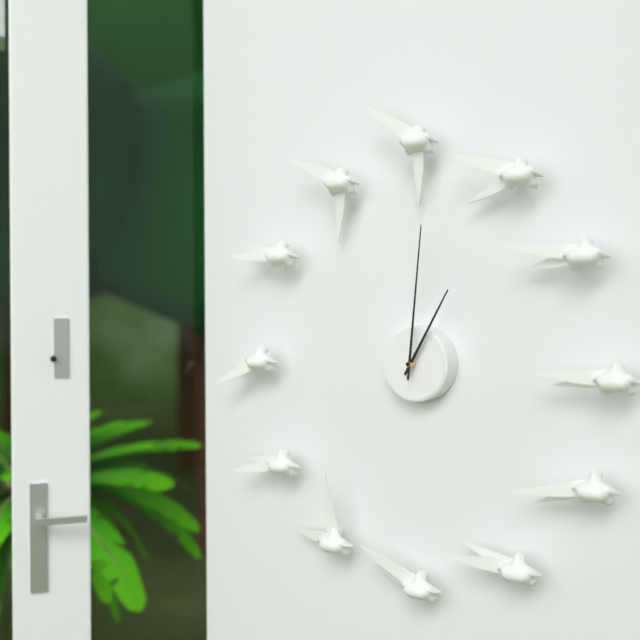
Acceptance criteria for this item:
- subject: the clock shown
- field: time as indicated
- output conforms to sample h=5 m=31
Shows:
h=1 m=1
